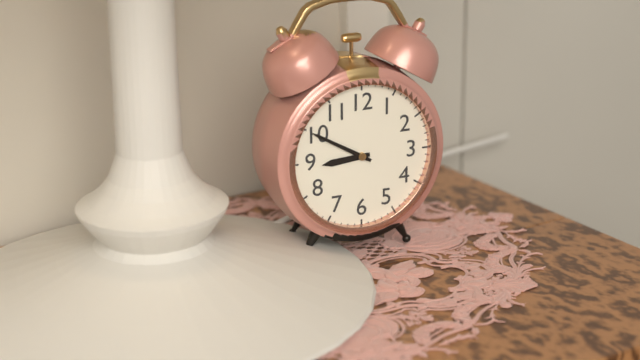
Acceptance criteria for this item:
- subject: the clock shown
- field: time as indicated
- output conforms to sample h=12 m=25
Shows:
h=8 m=50
